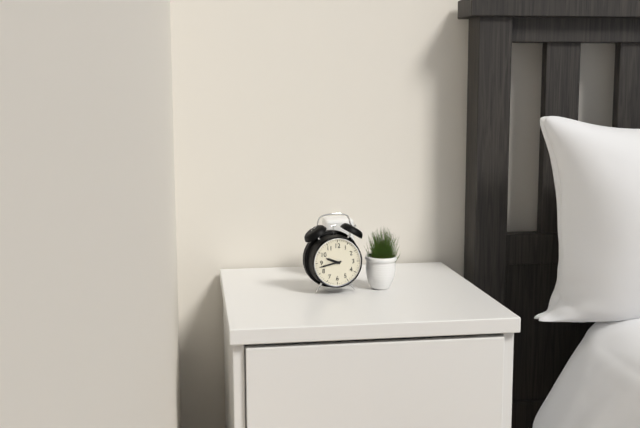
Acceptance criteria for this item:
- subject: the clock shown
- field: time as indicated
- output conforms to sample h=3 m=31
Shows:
h=9 m=43
